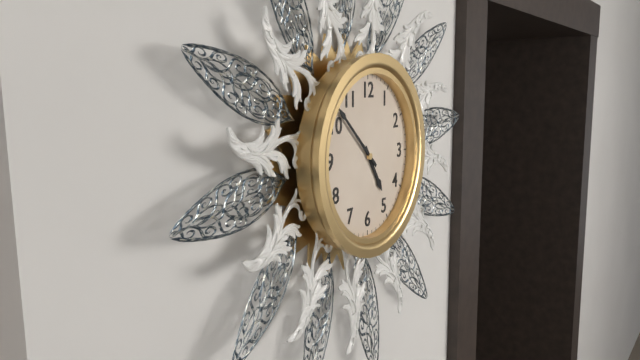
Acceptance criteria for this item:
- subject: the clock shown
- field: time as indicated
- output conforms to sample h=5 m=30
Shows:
h=4 m=52
